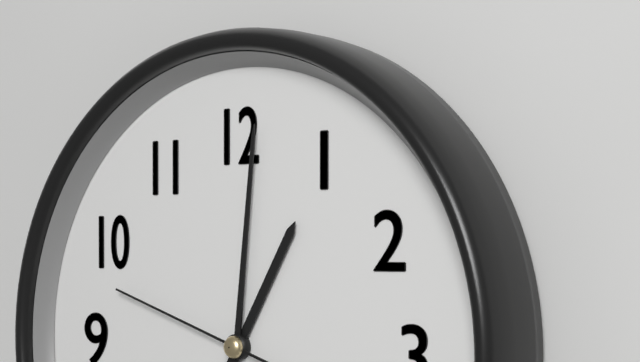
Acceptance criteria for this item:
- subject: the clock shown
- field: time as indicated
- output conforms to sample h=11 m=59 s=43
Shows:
h=1 m=1 s=48
